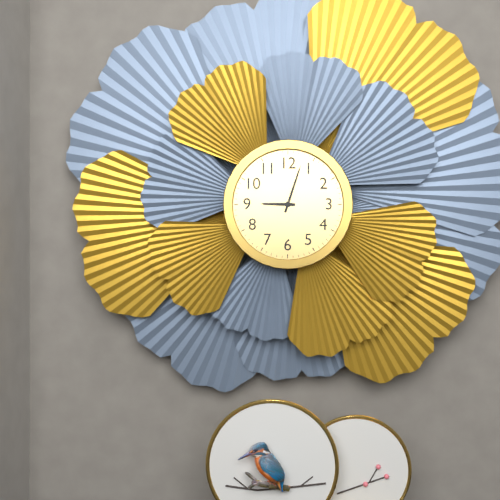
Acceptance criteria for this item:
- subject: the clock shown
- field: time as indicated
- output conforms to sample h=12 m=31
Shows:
h=9 m=3
